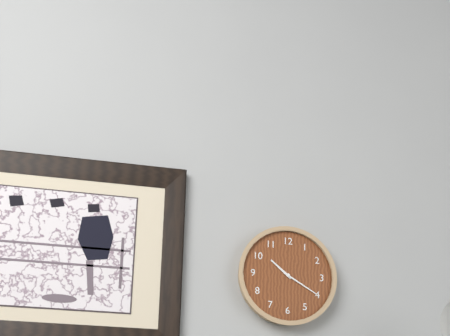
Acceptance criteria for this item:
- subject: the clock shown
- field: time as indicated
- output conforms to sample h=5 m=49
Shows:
h=10 m=20
